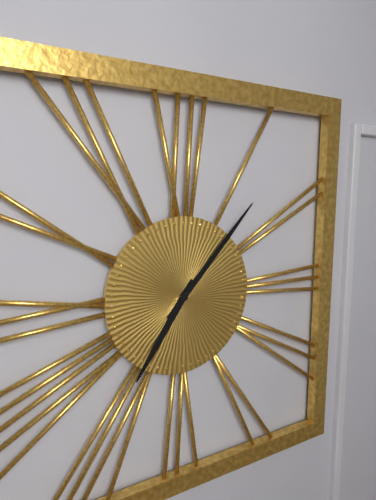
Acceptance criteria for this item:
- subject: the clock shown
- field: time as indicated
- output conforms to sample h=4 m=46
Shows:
h=7 m=7
